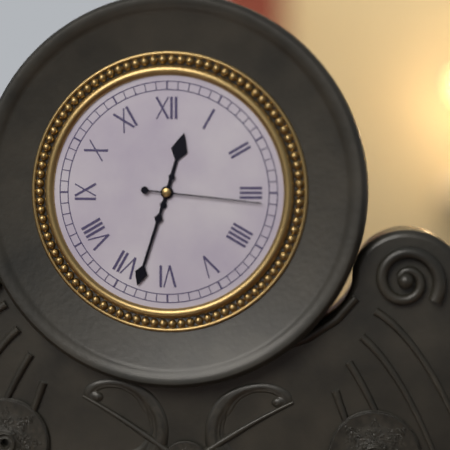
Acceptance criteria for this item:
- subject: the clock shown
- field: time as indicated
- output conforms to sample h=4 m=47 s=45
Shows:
h=12 m=33 s=16
